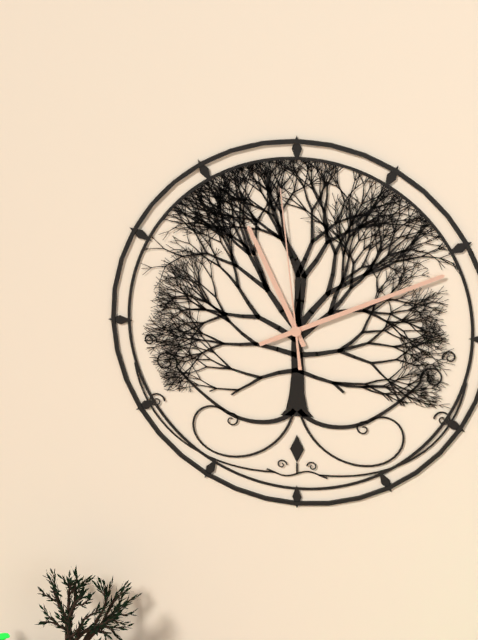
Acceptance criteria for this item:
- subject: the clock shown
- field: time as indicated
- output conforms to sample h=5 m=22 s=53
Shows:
h=11 m=11 s=59
